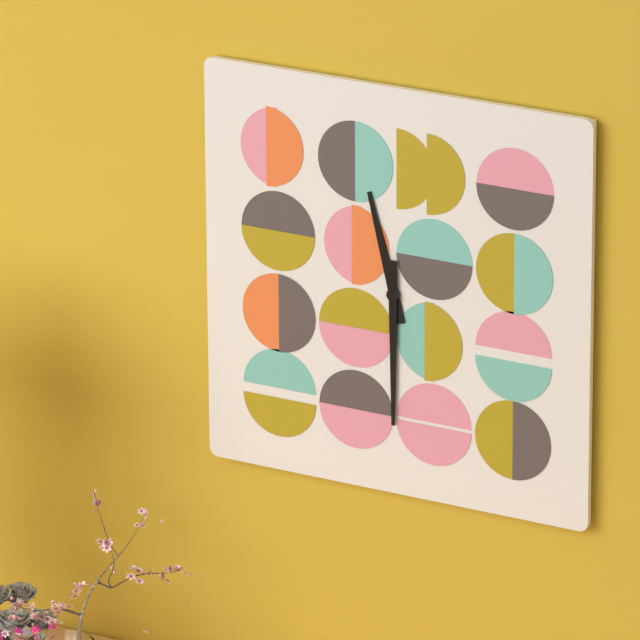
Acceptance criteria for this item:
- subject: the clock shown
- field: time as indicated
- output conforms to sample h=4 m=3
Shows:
h=11 m=30
